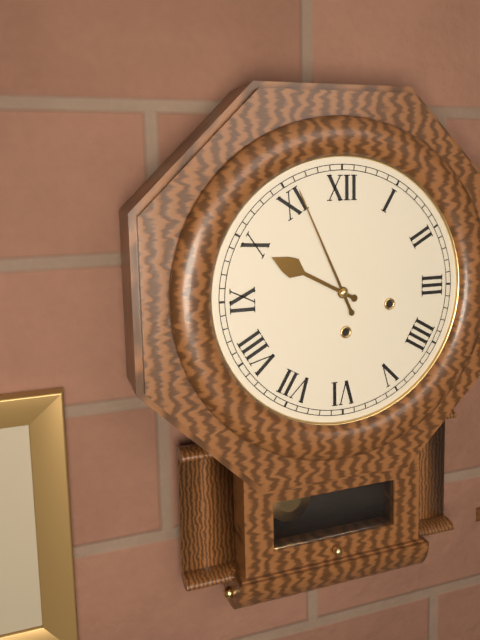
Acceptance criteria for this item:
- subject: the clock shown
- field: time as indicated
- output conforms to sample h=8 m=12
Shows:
h=9 m=56
